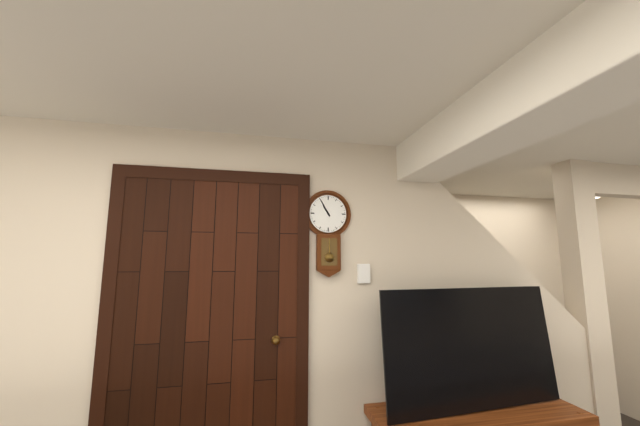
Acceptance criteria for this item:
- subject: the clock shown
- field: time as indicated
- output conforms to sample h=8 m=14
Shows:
h=10 m=55
